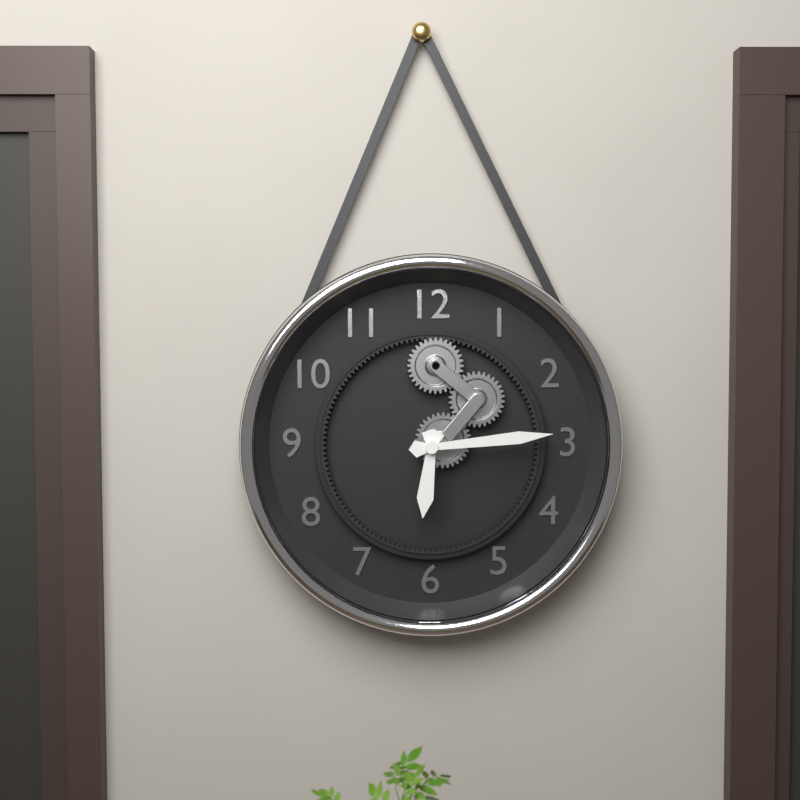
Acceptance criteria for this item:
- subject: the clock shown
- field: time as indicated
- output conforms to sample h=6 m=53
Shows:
h=6 m=14
